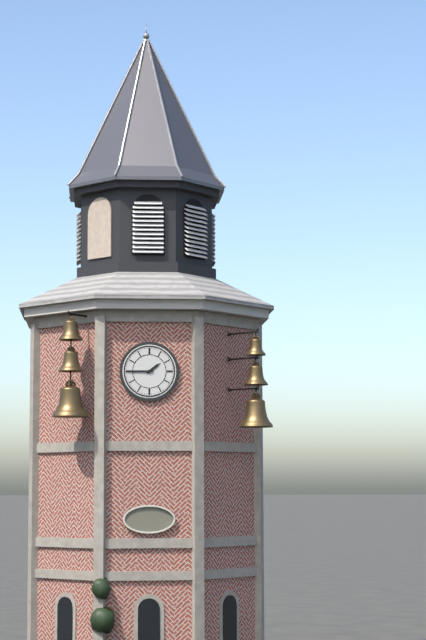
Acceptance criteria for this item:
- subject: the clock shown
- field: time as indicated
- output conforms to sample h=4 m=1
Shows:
h=1 m=45
